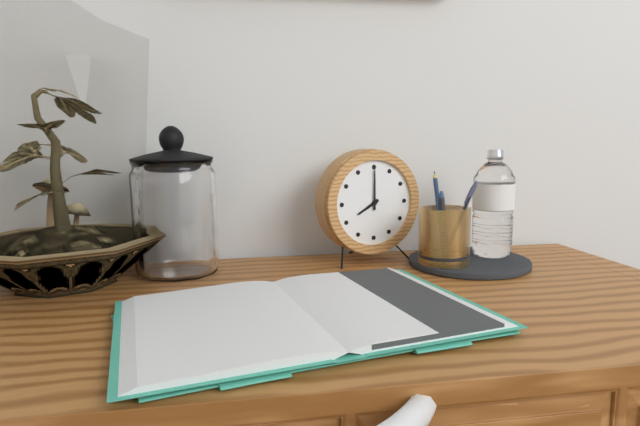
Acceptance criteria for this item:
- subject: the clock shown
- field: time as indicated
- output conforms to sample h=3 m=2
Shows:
h=8 m=0
